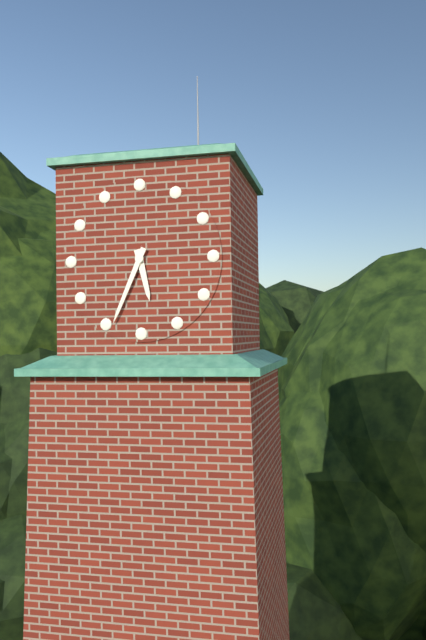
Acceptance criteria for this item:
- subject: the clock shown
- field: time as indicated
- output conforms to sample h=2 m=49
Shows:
h=5 m=34
